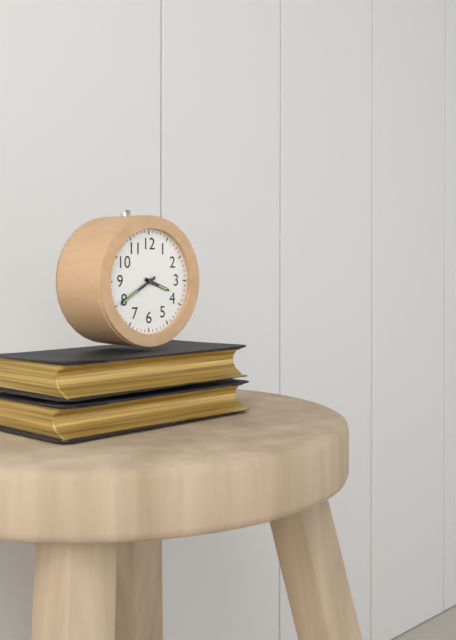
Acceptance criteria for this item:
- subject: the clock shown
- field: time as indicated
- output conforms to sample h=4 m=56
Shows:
h=3 m=40
